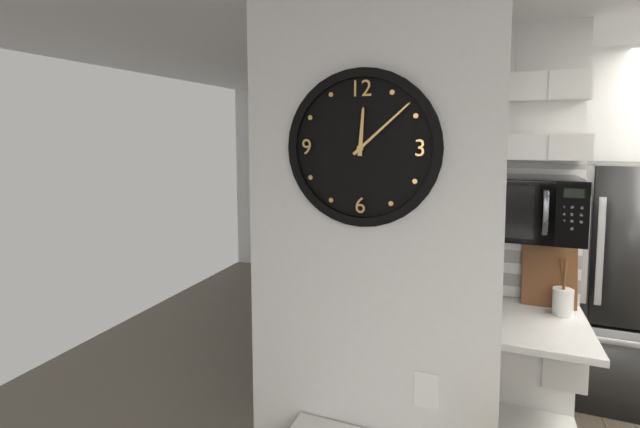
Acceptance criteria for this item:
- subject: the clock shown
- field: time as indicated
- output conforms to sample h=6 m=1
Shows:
h=12 m=8
